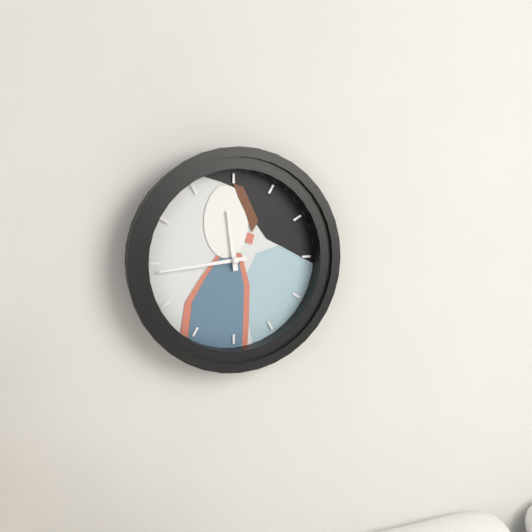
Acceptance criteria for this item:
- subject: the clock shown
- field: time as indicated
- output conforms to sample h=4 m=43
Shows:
h=11 m=44
